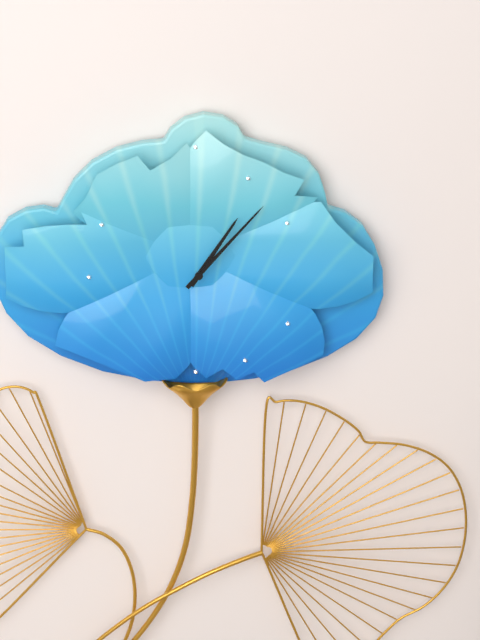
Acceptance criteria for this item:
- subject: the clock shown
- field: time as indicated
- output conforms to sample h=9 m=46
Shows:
h=1 m=7
